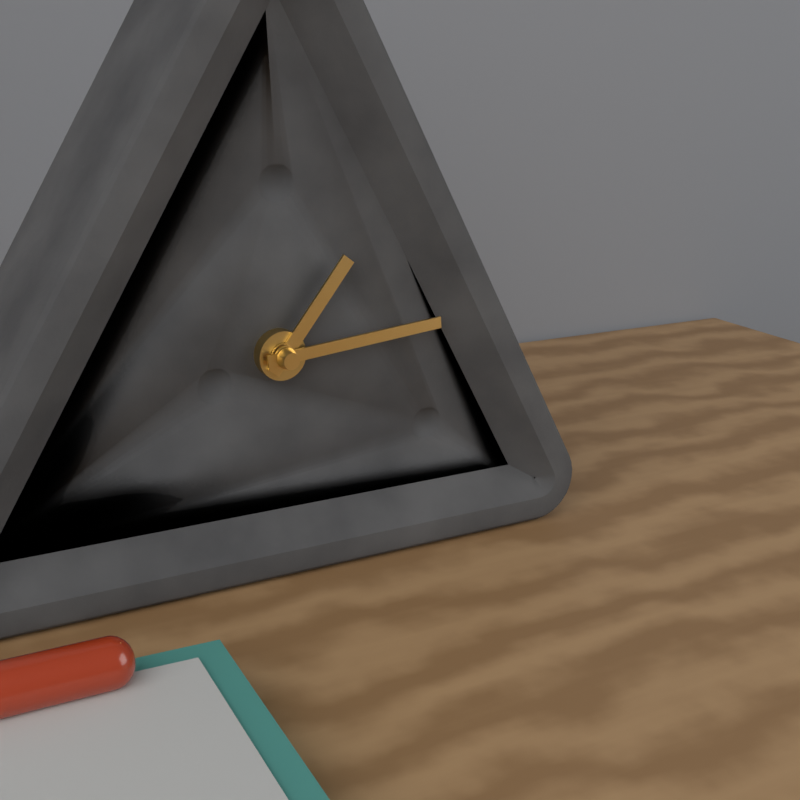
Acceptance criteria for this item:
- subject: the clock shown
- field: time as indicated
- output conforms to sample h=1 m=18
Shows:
h=1 m=14
